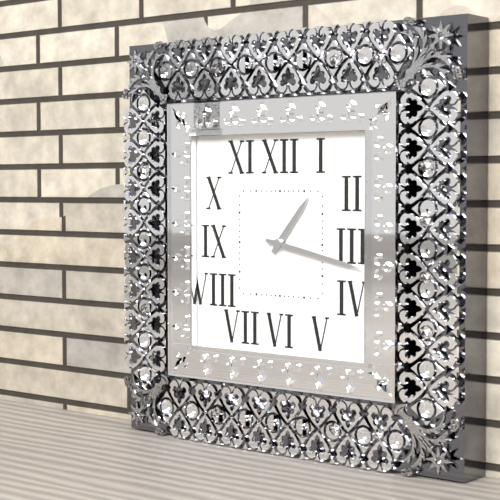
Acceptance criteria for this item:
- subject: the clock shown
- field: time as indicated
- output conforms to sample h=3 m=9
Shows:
h=1 m=17
